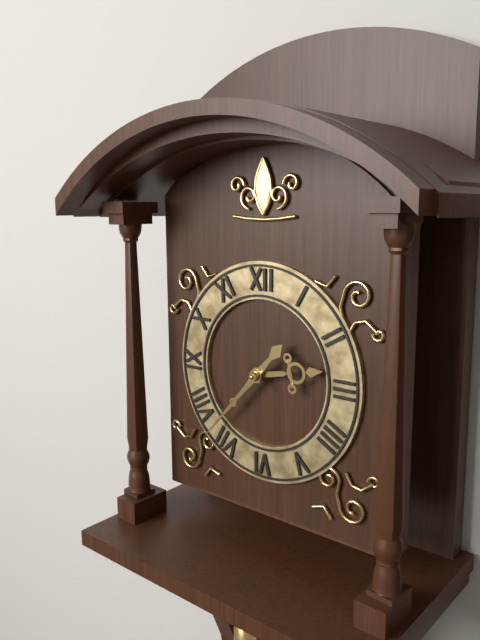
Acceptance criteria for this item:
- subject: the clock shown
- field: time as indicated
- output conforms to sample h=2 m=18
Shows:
h=2 m=37
